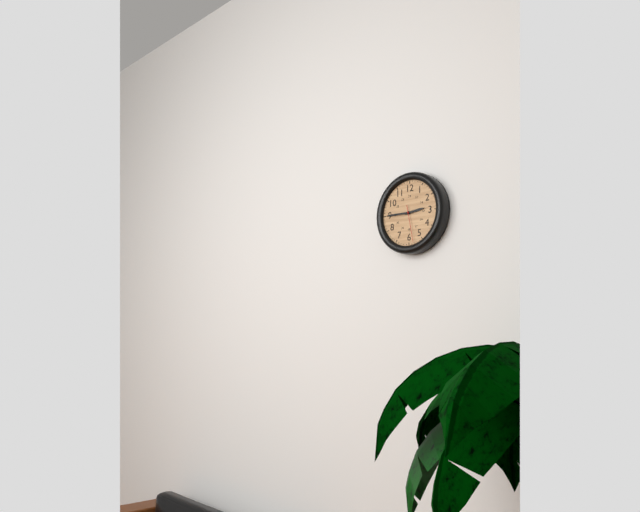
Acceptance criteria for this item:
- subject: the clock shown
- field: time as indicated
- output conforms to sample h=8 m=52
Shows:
h=2 m=45
